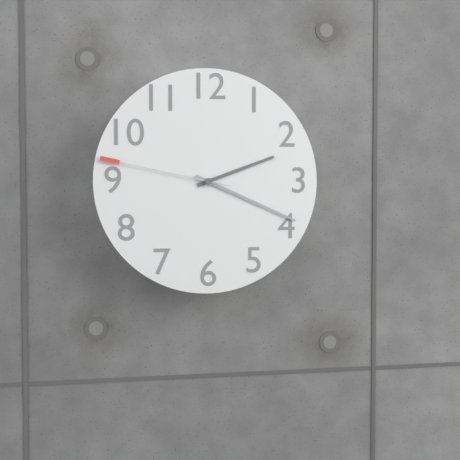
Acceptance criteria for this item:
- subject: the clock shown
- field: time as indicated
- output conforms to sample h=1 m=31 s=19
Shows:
h=2 m=19 s=47
